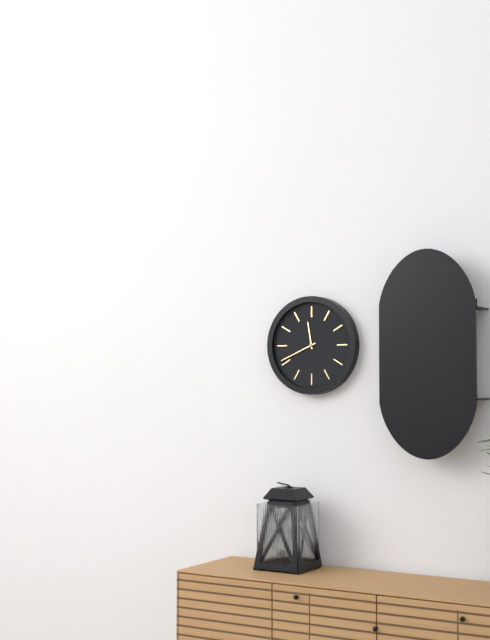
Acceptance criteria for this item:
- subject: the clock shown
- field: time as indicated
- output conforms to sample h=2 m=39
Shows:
h=11 m=41
